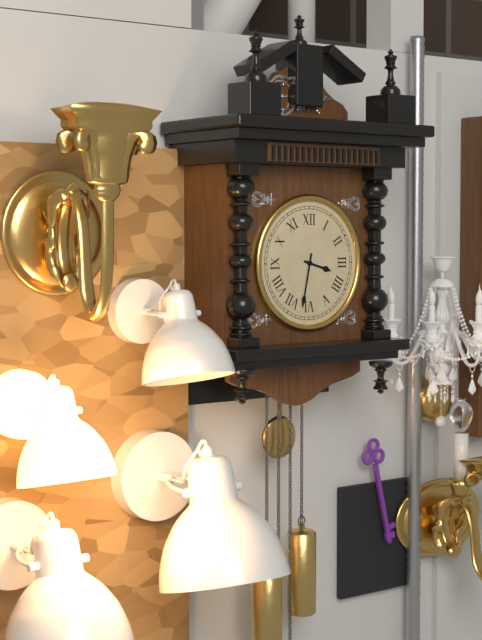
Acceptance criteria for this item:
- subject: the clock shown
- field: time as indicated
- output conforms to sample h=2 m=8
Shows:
h=3 m=32
